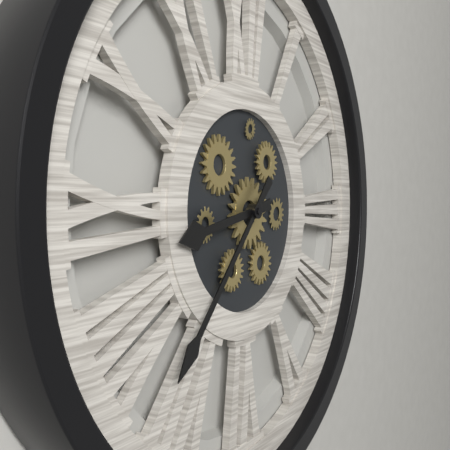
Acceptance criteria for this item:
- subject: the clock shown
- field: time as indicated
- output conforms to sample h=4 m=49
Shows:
h=8 m=37
